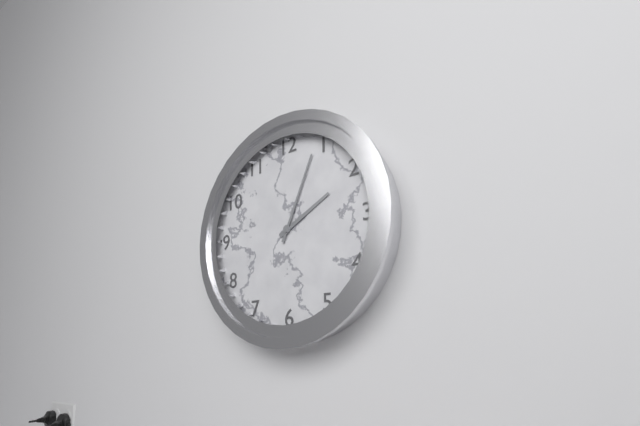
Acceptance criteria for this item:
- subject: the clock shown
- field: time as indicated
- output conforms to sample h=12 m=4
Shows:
h=2 m=4
